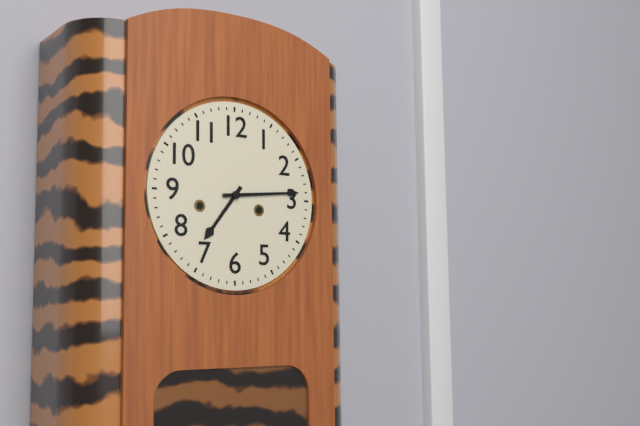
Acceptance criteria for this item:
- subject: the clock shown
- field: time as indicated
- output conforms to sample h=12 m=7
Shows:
h=7 m=14
